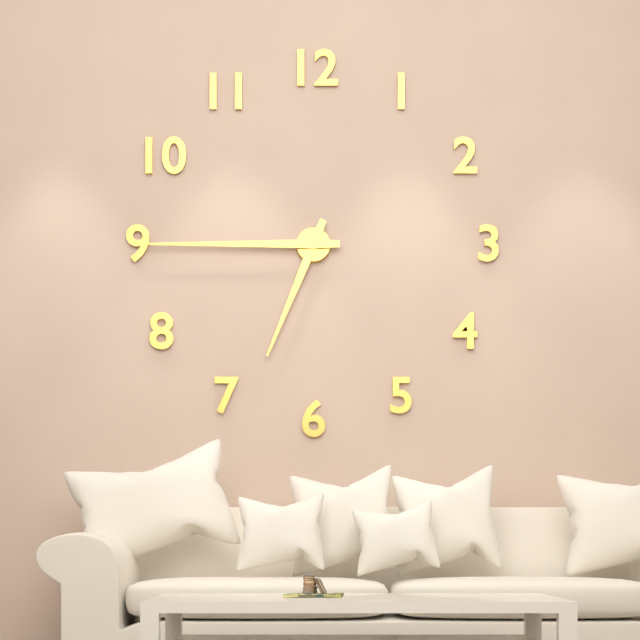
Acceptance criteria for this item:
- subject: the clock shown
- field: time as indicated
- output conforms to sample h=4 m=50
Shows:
h=6 m=45
